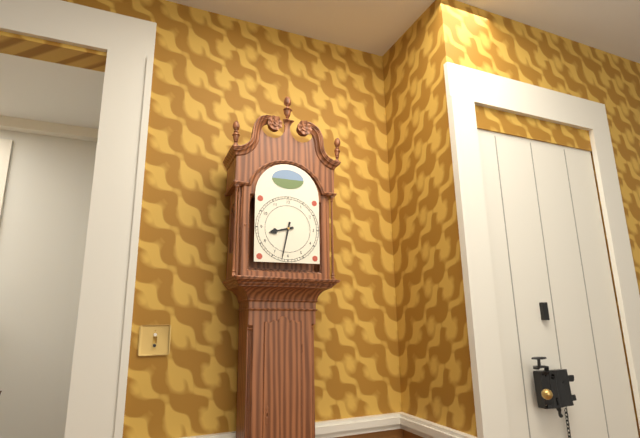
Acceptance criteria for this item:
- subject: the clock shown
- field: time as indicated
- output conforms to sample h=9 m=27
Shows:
h=8 m=32
